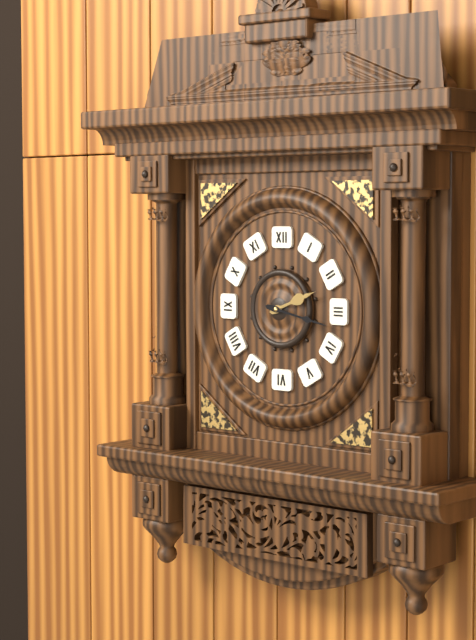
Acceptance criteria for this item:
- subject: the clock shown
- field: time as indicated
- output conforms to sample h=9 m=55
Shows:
h=2 m=17
